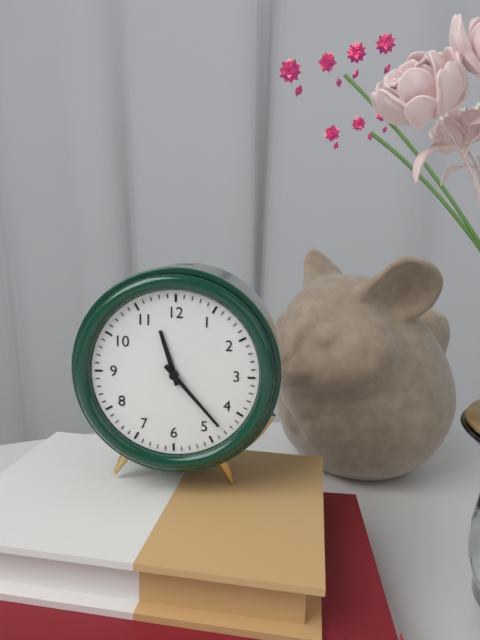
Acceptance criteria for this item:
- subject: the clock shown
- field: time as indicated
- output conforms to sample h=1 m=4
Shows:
h=11 m=23
